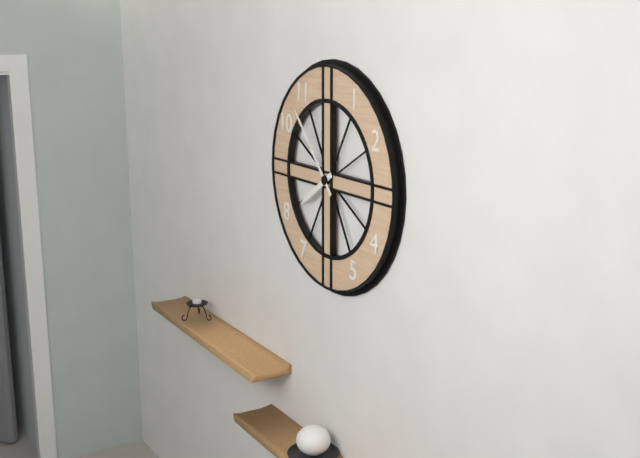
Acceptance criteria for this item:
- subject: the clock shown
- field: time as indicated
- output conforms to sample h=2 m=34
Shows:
h=7 m=53
